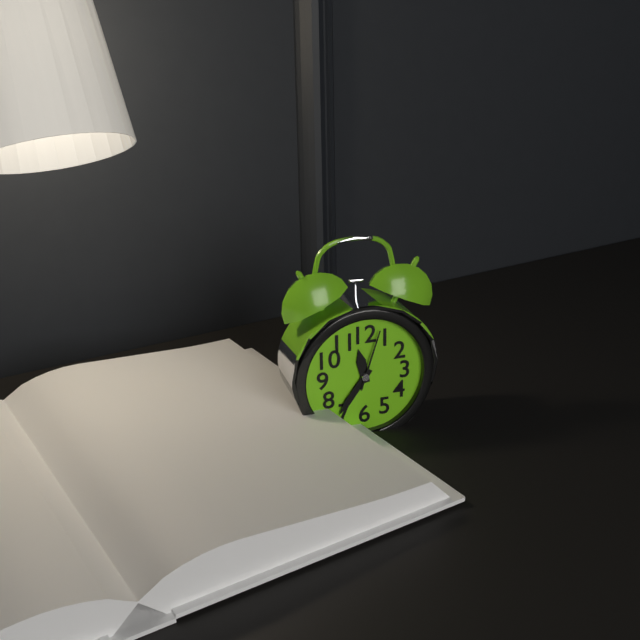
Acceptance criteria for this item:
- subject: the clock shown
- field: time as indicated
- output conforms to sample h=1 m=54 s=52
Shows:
h=11 m=36 s=3
